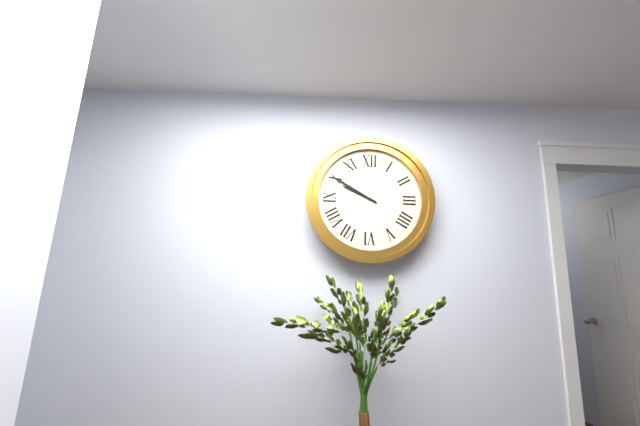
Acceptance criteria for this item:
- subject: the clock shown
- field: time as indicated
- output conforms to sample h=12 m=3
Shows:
h=9 m=50
